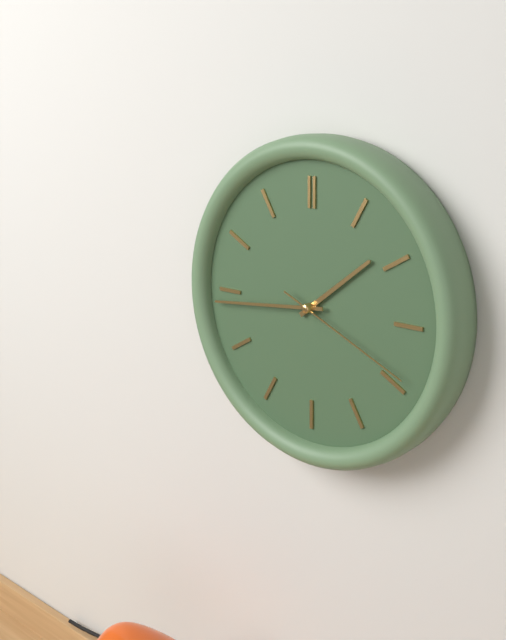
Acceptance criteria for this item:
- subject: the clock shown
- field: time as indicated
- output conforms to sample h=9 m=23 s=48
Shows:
h=1 m=44 s=19
